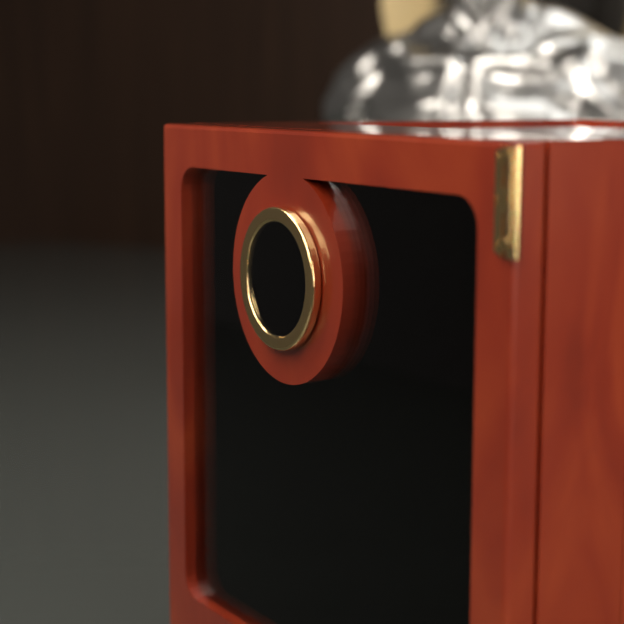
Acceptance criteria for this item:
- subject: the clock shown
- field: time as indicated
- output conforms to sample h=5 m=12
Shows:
h=12 m=46
